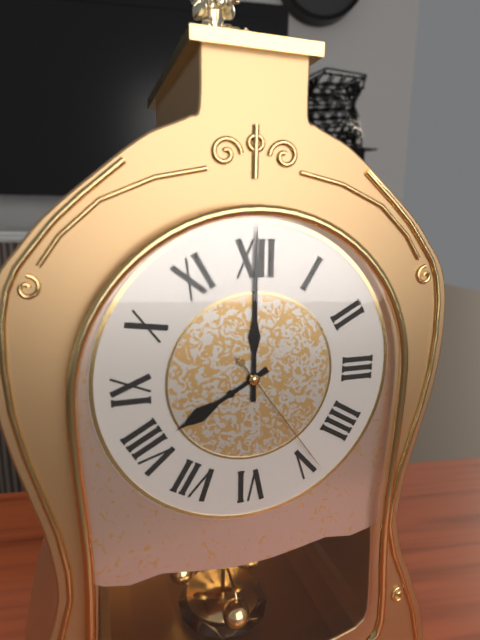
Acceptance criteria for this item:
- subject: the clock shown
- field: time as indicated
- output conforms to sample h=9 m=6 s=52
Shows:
h=8 m=0 s=24
